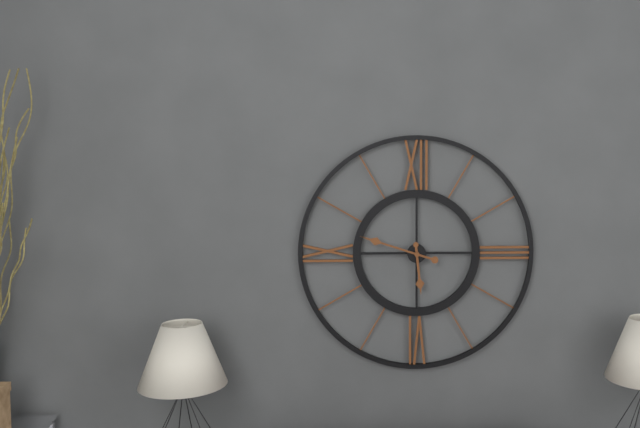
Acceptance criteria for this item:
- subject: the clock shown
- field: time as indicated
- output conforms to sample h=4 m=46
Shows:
h=5 m=48
